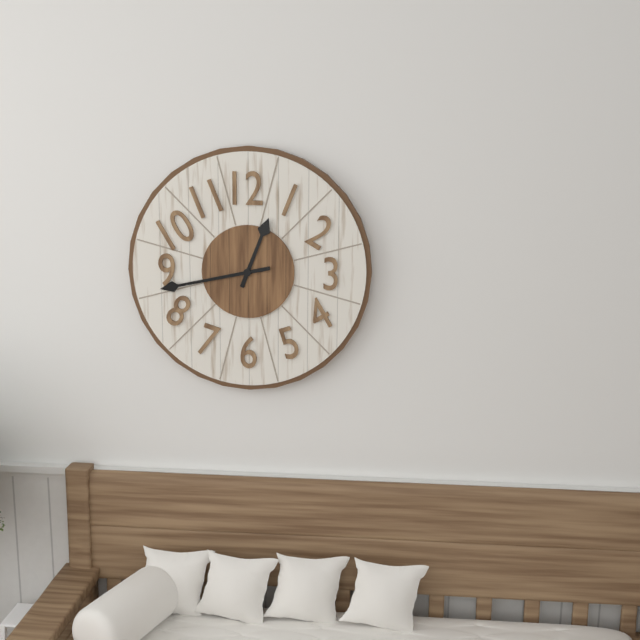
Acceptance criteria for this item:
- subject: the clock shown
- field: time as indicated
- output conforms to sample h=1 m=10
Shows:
h=12 m=43
